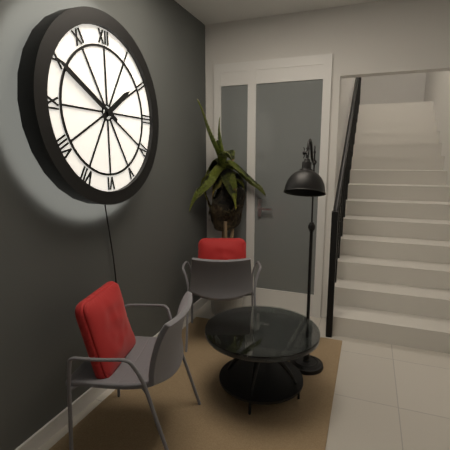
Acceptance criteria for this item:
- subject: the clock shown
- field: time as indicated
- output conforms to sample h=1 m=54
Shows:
h=1 m=50
